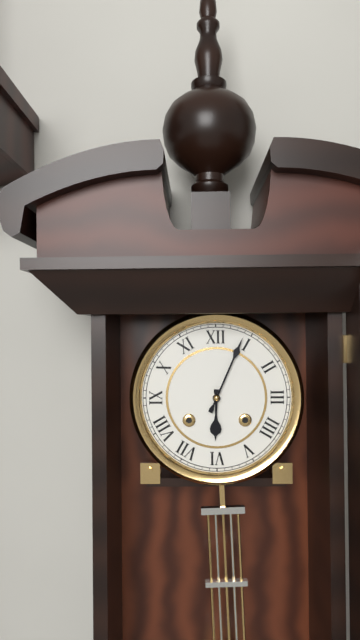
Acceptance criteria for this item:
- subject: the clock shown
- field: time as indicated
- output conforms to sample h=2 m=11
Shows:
h=6 m=4
